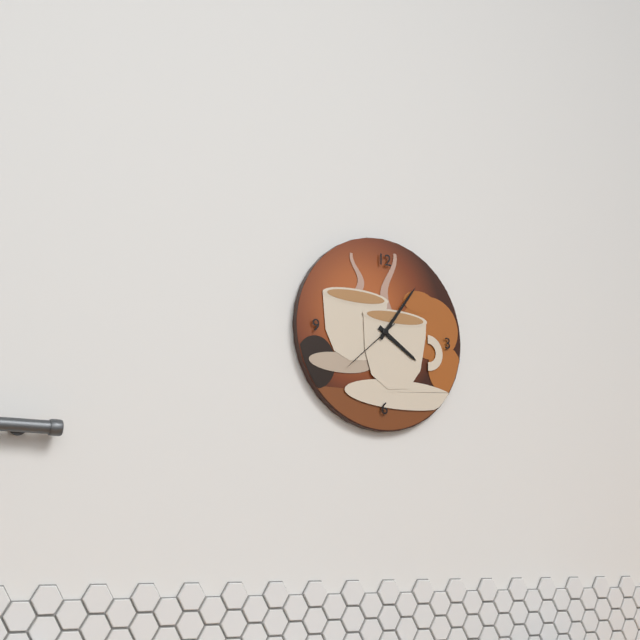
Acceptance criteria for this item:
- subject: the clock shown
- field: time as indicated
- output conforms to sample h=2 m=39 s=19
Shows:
h=4 m=6 s=38
